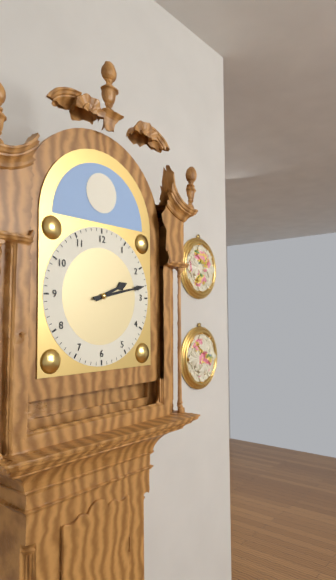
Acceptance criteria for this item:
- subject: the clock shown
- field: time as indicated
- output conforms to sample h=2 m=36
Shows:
h=2 m=13
